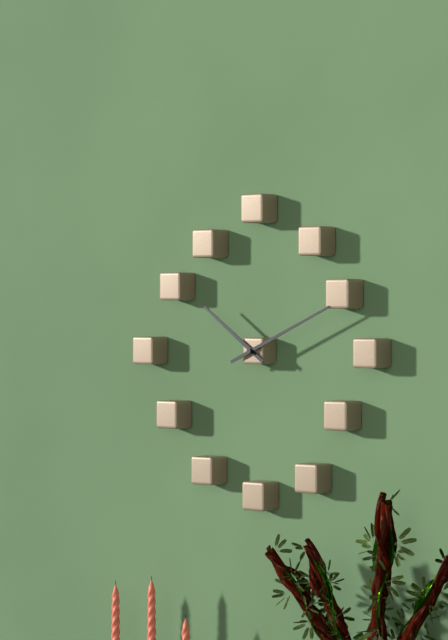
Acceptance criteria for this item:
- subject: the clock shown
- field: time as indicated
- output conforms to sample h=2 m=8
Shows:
h=10 m=11
